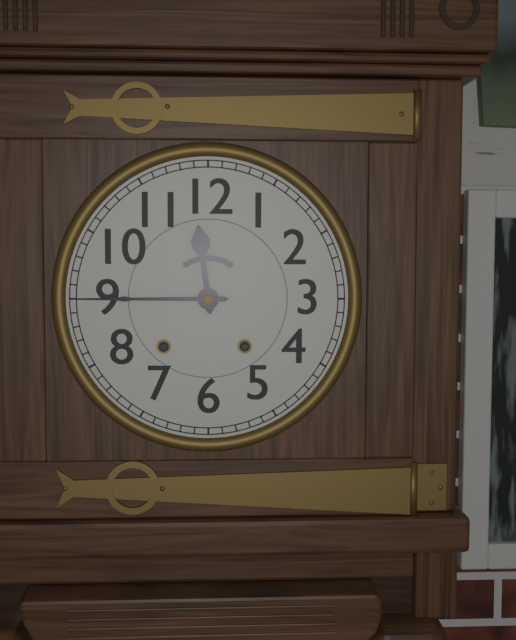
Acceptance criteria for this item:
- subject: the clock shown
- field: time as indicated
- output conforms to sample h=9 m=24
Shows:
h=11 m=45
